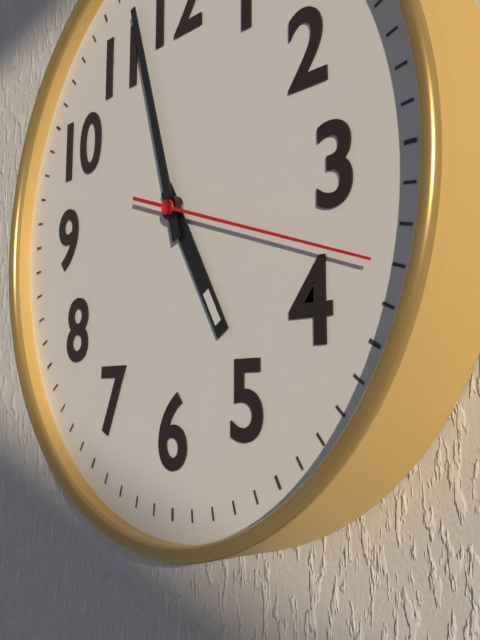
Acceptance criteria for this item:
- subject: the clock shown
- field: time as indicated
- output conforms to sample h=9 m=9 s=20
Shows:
h=4 m=57 s=18
